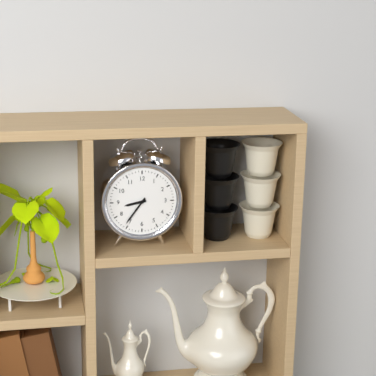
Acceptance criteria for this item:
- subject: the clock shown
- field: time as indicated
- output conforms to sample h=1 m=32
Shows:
h=8 m=36
